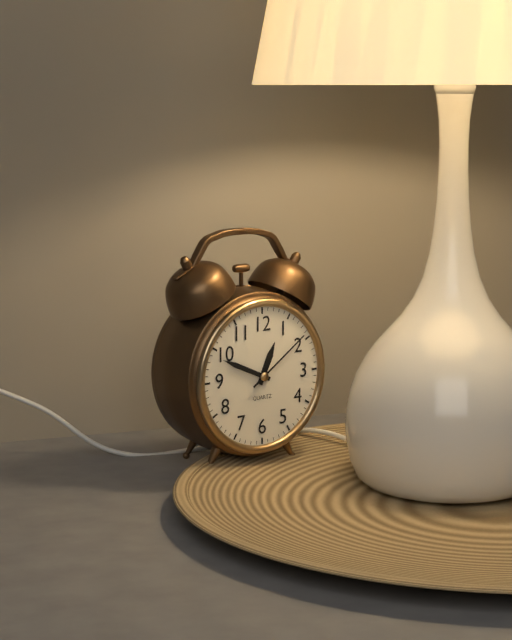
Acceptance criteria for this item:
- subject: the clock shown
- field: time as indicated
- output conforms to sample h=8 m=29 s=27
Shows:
h=12 m=49 s=9
